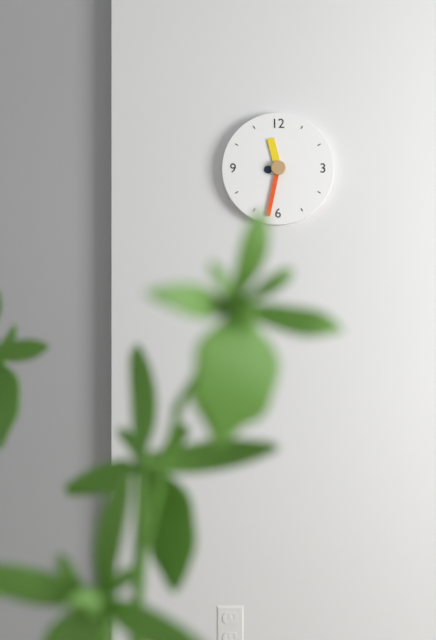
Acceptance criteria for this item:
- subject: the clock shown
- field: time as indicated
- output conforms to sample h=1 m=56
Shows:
h=11 m=32
